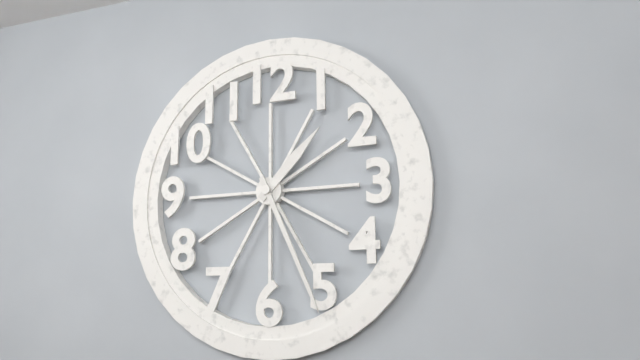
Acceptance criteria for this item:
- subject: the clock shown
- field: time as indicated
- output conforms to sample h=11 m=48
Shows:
h=1 m=26
